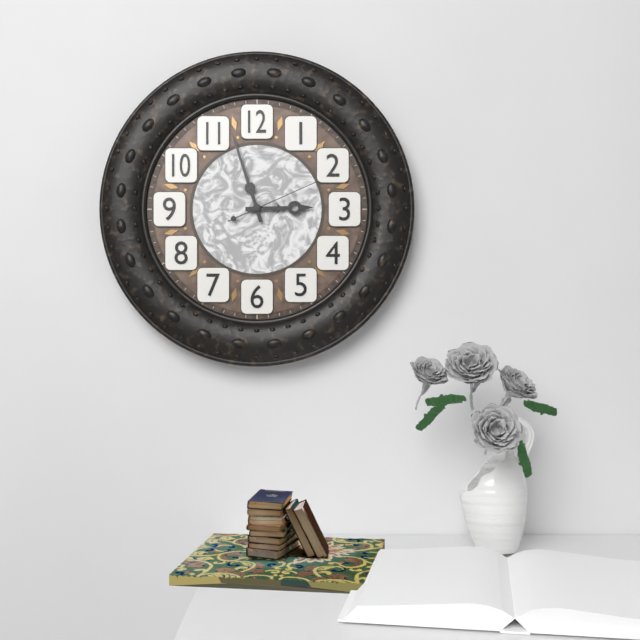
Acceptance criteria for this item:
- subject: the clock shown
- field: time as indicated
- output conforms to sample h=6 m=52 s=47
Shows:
h=2 m=57 s=11
